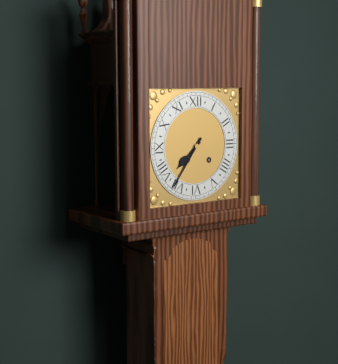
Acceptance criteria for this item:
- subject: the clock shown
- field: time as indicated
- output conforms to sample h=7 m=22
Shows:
h=7 m=36
